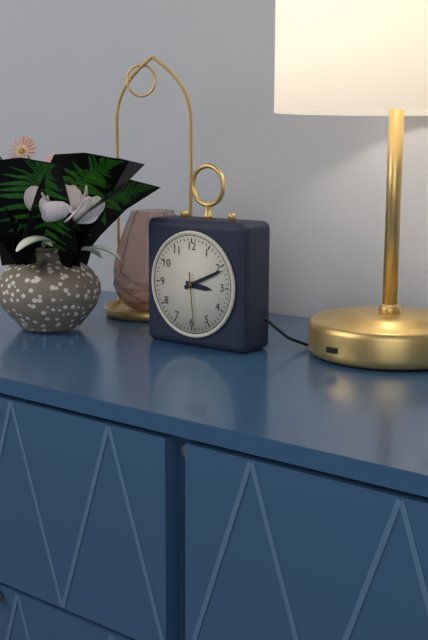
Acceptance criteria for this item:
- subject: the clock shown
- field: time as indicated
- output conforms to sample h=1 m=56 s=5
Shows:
h=3 m=11 s=29
